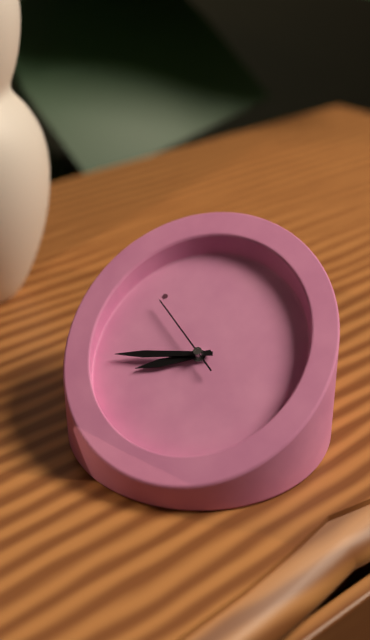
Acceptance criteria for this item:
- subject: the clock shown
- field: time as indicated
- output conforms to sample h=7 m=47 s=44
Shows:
h=10 m=57 s=6
